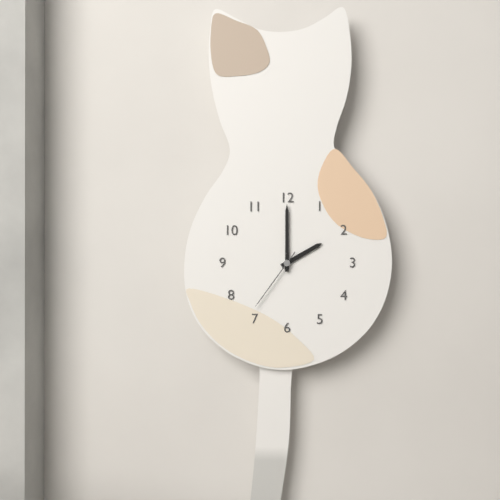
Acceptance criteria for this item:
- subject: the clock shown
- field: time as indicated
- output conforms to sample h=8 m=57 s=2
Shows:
h=2 m=0 s=36
